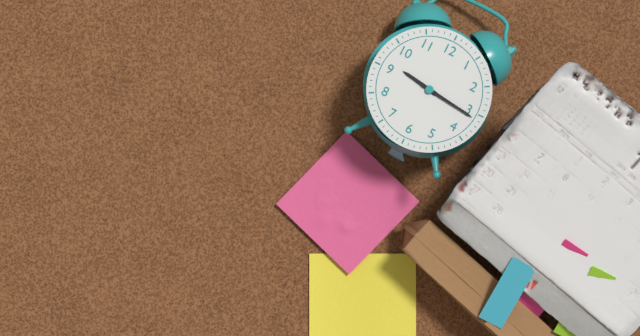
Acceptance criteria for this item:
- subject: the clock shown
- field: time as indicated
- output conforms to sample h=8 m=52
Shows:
h=9 m=16
